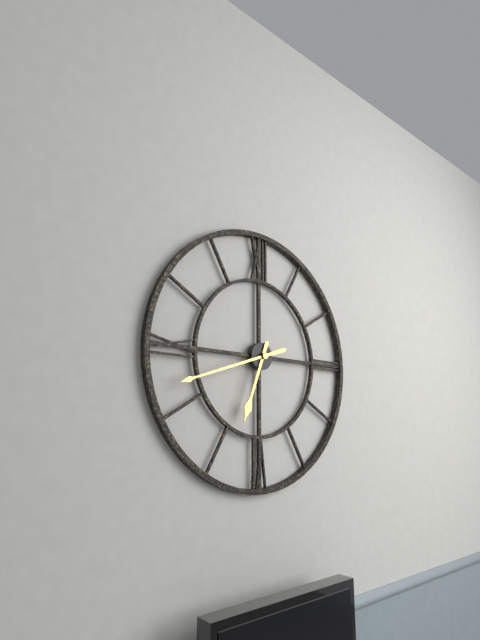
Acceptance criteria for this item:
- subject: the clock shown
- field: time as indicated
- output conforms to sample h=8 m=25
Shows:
h=6 m=42
